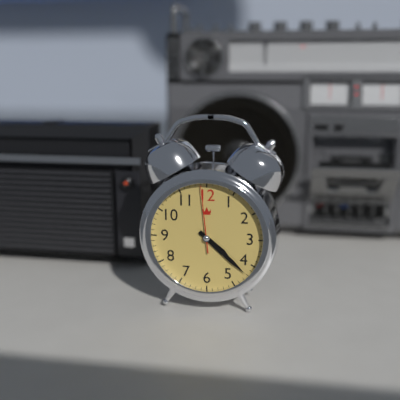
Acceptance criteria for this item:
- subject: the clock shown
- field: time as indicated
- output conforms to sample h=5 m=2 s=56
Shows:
h=4 m=22 s=59
